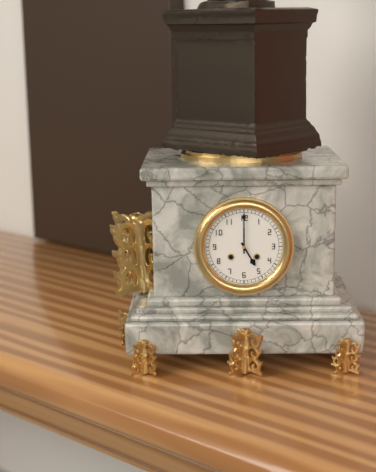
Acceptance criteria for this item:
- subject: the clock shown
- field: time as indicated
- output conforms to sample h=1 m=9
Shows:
h=5 m=0
